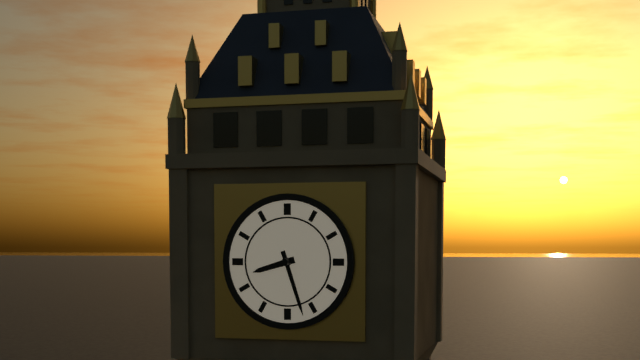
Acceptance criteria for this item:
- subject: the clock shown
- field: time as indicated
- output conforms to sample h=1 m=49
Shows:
h=8 m=27
